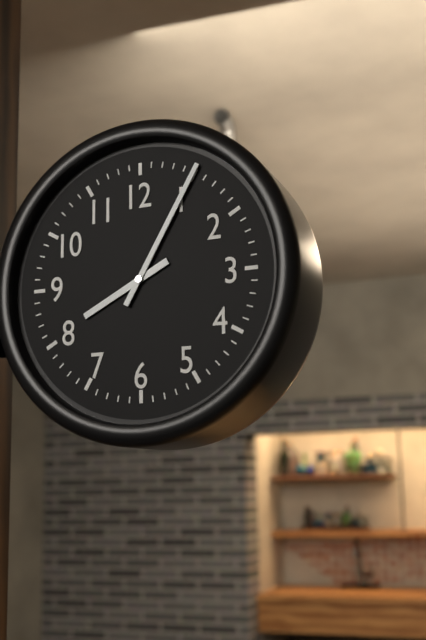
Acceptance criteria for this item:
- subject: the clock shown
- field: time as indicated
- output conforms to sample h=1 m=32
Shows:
h=8 m=5
